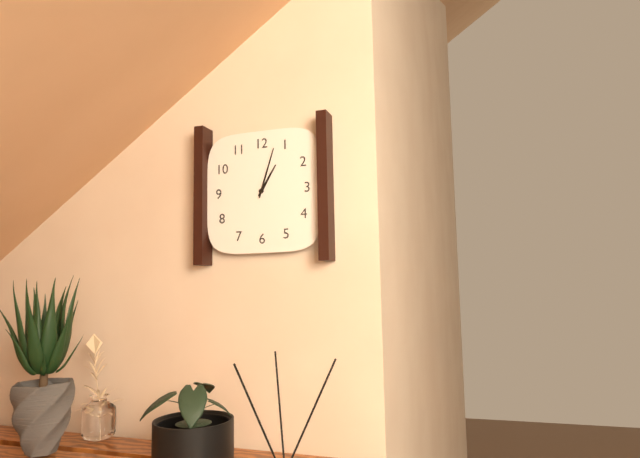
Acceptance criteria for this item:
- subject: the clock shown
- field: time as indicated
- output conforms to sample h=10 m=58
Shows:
h=1 m=3
